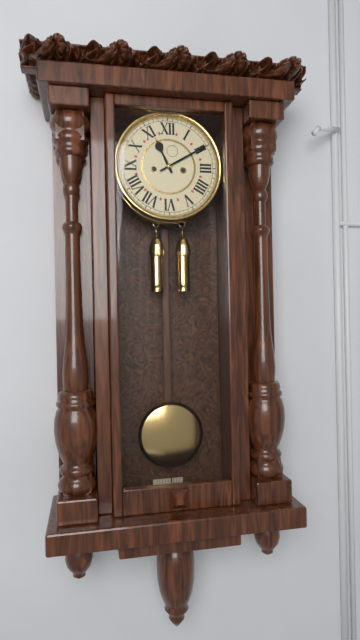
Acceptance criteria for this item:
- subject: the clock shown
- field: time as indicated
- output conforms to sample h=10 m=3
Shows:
h=11 m=10
